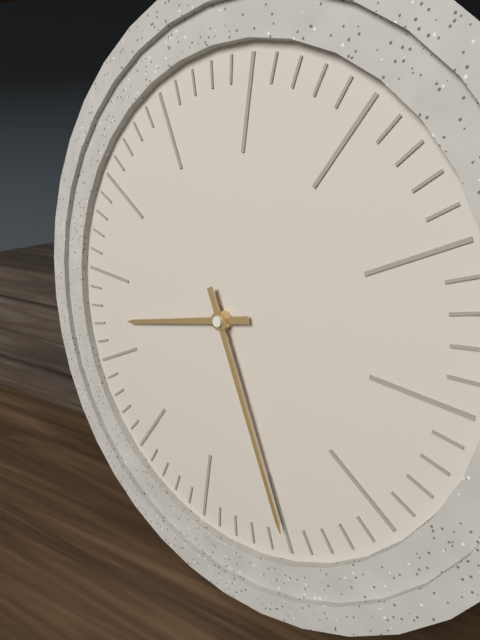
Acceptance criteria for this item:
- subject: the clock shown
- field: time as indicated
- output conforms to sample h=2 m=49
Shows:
h=8 m=25
